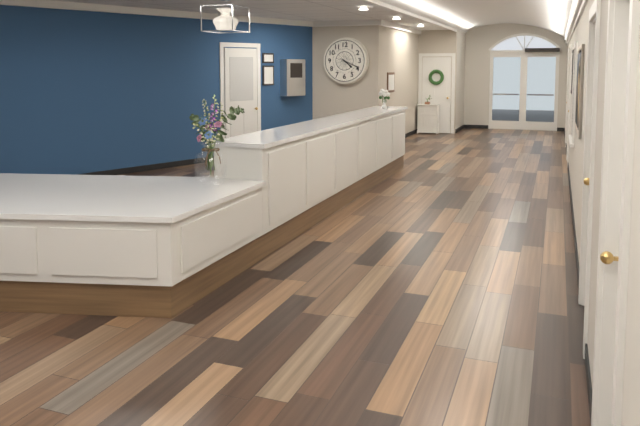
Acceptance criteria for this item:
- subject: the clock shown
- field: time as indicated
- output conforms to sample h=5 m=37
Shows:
h=4 m=19
